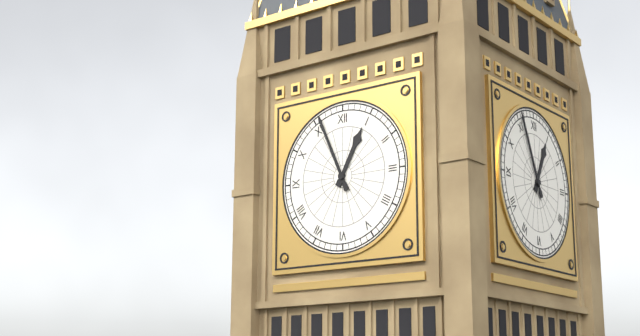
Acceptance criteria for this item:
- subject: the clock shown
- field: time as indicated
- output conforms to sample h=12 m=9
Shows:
h=12 m=56
